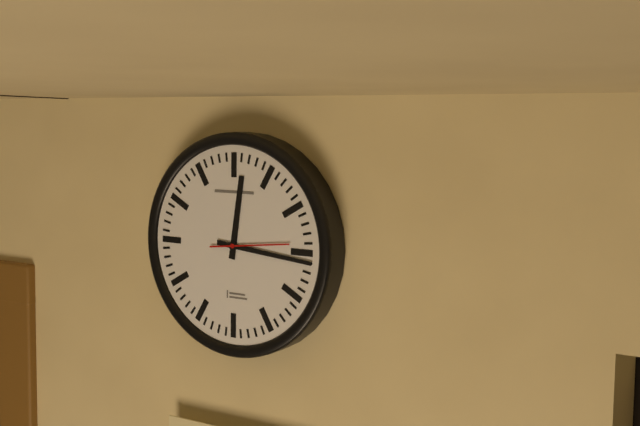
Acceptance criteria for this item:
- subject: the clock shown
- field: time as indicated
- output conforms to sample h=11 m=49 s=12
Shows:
h=12 m=16 s=14
